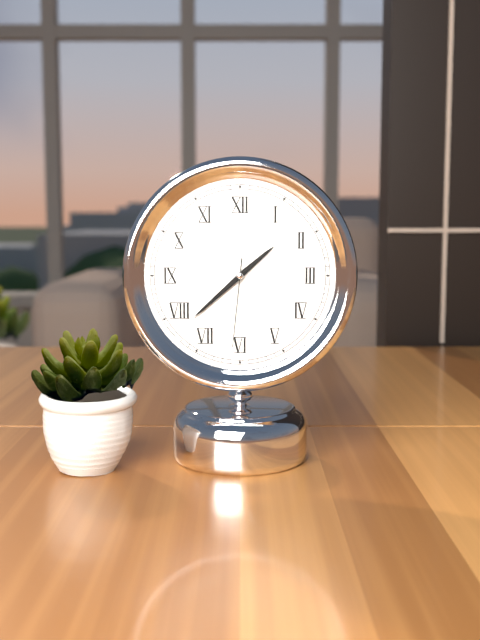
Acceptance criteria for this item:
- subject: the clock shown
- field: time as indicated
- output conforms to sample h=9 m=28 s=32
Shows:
h=1 m=38 s=31
